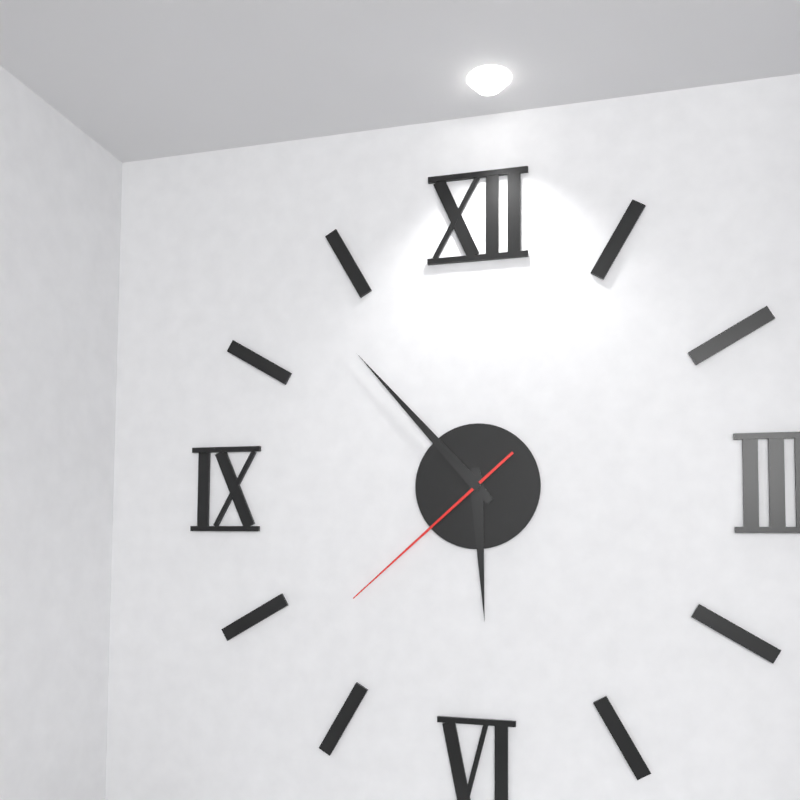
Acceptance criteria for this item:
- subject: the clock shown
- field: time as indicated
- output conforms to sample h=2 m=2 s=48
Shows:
h=5 m=53 s=38
